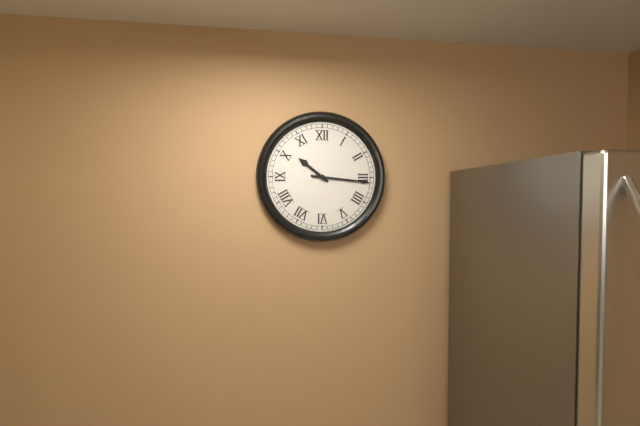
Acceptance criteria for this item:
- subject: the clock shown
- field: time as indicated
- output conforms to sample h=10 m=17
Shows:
h=10 m=16
